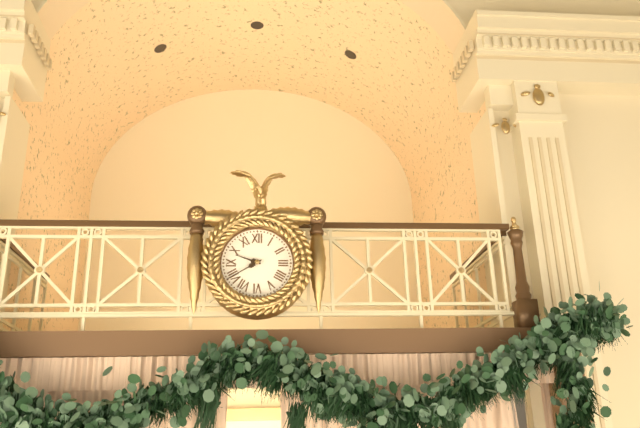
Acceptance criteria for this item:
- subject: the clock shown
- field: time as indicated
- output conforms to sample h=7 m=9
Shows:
h=9 m=40
